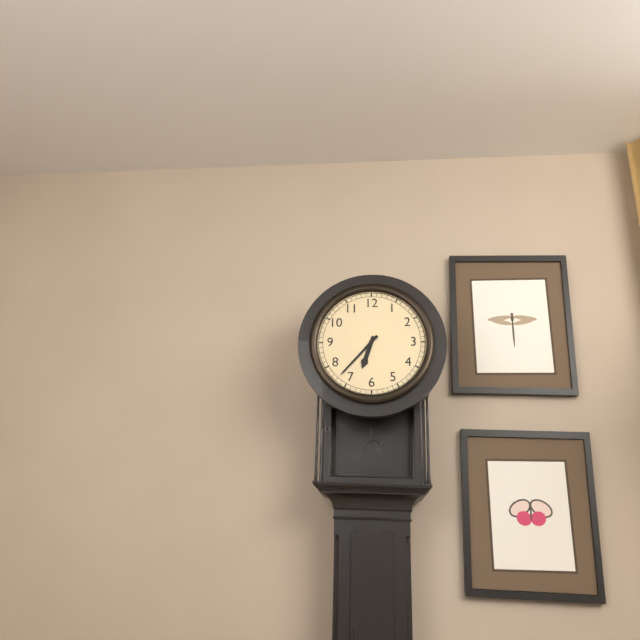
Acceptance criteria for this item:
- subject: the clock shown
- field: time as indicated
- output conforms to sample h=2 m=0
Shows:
h=6 m=37
